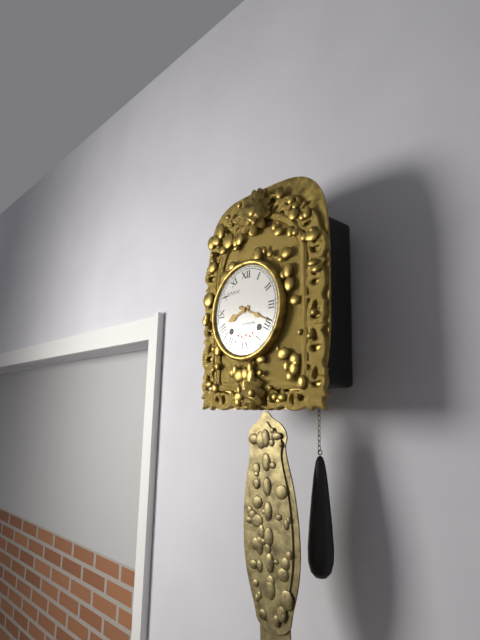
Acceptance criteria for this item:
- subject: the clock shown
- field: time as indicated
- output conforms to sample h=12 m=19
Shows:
h=8 m=19
